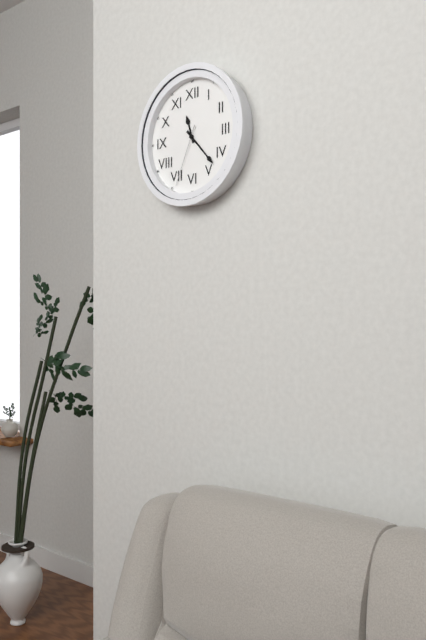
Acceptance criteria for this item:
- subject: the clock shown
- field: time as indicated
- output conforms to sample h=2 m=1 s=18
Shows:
h=11 m=23 s=34
